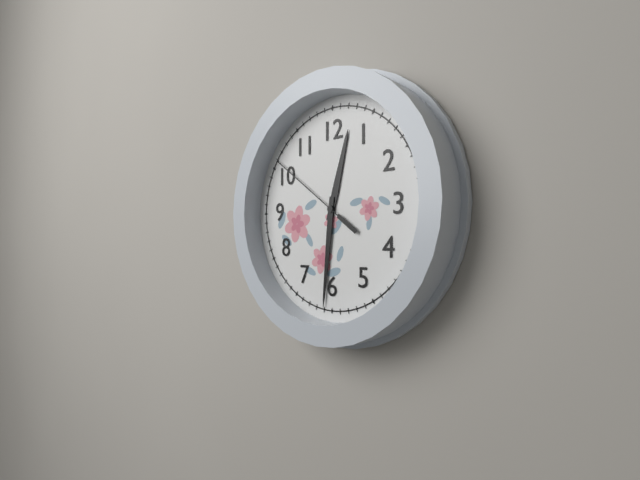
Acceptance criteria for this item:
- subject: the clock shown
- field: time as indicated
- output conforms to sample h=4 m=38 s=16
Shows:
h=12 m=31 s=51
